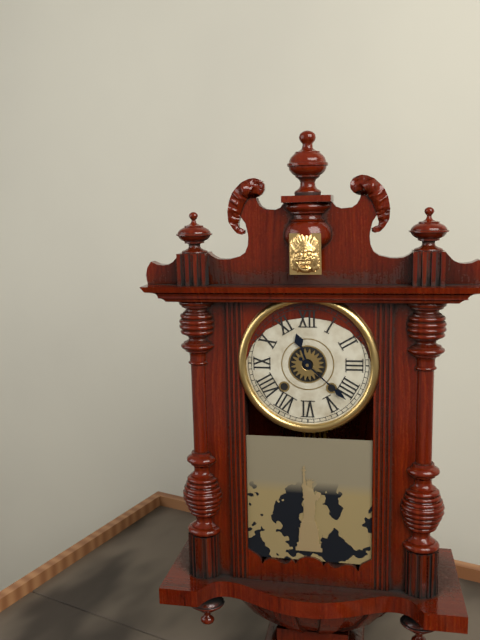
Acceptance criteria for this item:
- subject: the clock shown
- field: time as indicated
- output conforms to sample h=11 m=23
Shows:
h=11 m=22
